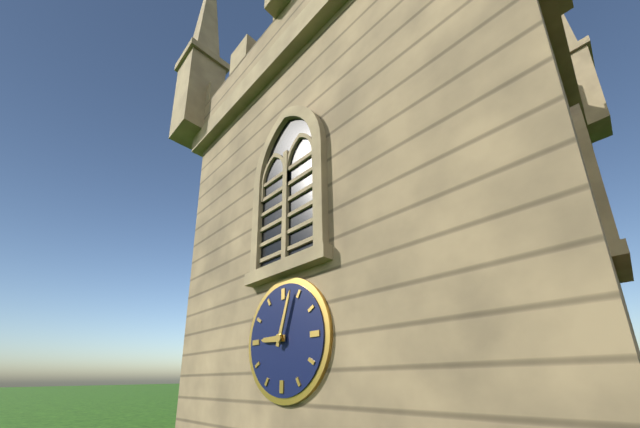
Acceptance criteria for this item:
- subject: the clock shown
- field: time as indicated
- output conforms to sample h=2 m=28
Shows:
h=9 m=3
